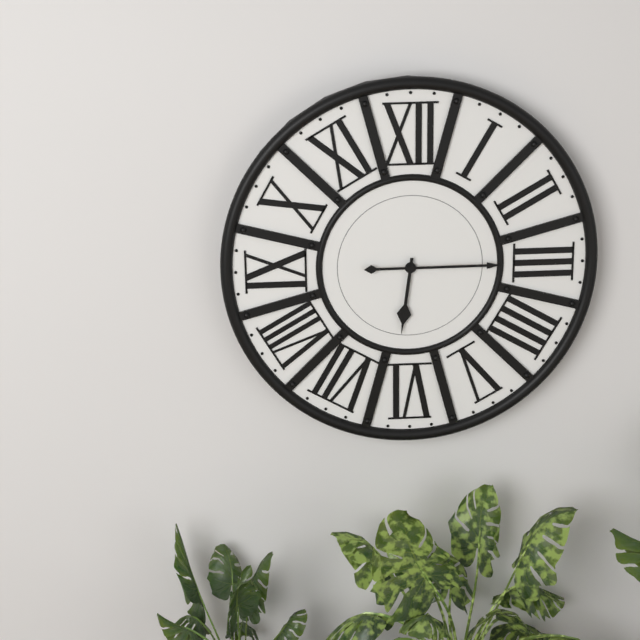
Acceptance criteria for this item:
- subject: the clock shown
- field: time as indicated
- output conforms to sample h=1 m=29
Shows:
h=6 m=15
